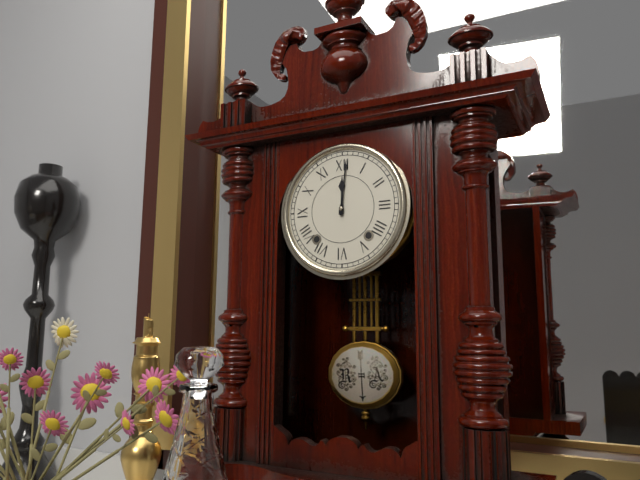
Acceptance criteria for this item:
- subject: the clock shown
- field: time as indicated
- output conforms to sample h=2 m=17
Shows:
h=12 m=1
